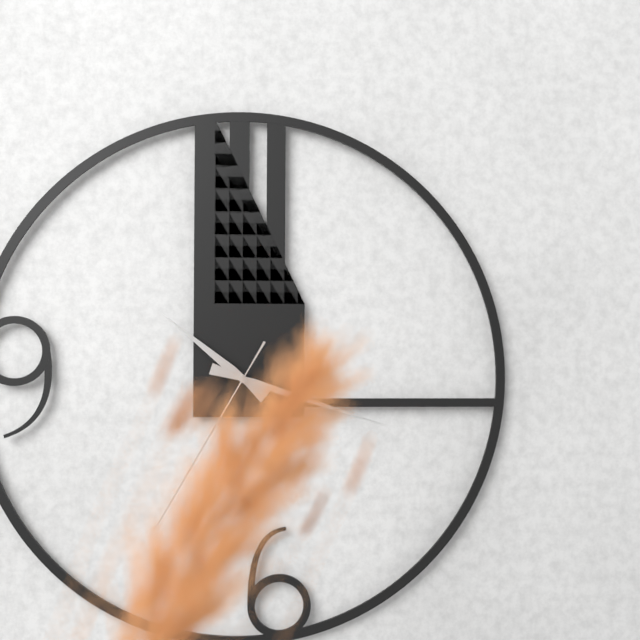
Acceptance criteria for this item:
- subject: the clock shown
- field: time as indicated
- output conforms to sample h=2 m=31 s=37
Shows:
h=10 m=18 s=35
